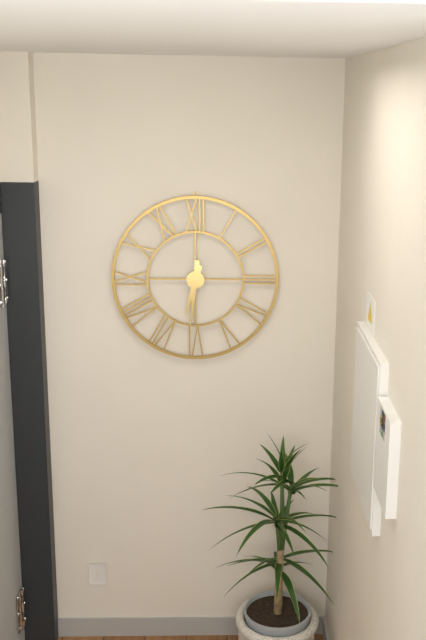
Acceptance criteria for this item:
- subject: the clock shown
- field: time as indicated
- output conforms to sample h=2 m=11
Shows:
h=6 m=31
